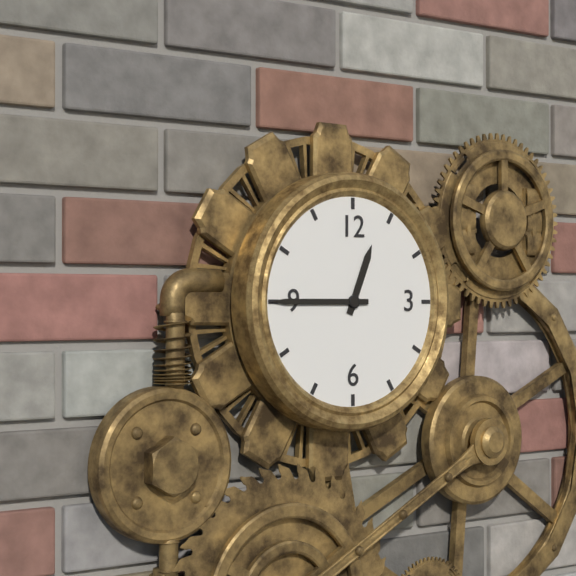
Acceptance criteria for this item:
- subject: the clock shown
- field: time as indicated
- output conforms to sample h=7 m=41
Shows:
h=12 m=45
